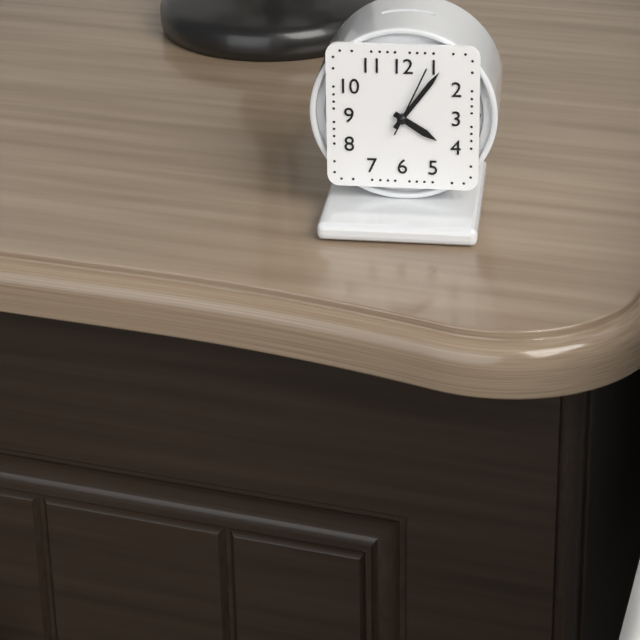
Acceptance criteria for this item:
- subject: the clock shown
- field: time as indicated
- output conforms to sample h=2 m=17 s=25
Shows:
h=4 m=6 s=4
